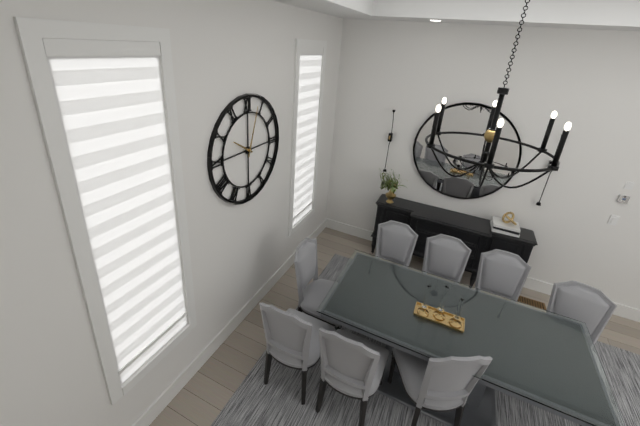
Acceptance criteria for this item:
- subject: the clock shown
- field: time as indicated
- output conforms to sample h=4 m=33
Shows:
h=10 m=3
